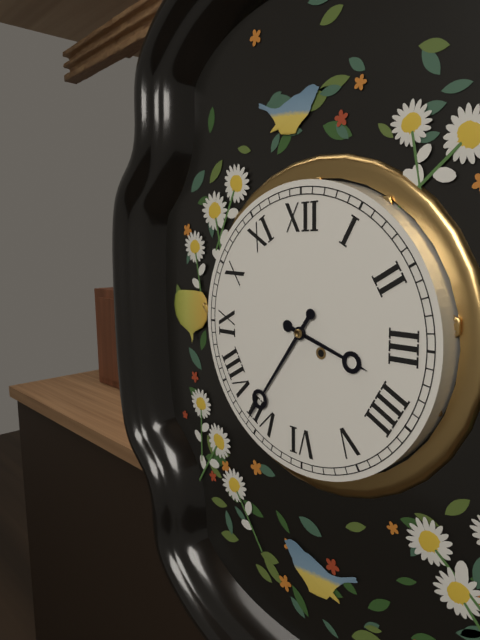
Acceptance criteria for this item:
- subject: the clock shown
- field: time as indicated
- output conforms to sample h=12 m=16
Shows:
h=3 m=36
